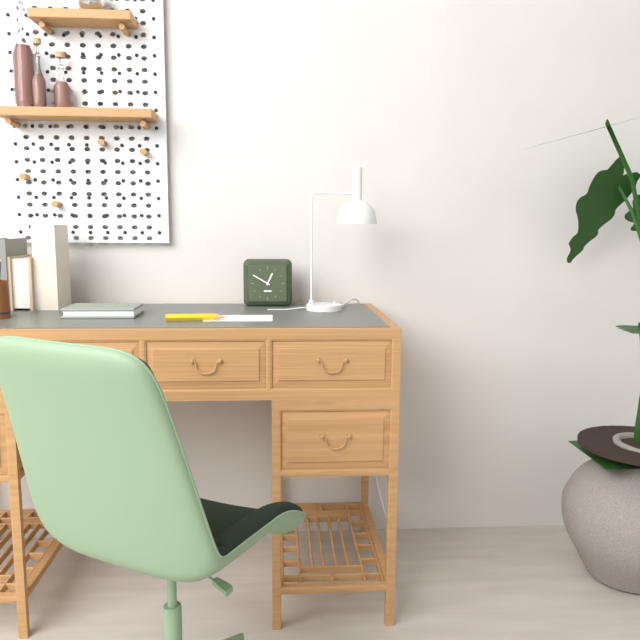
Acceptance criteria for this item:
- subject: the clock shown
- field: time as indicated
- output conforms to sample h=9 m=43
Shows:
h=12 m=50
